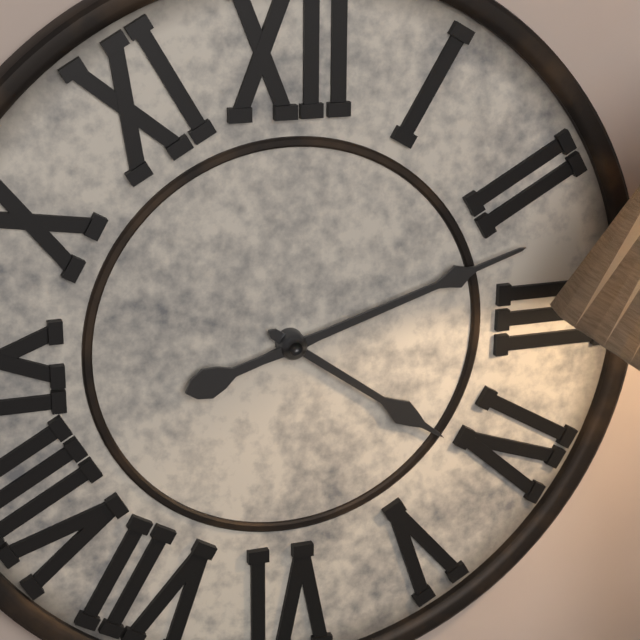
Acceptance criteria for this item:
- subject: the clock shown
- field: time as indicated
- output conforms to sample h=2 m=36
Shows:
h=4 m=12
